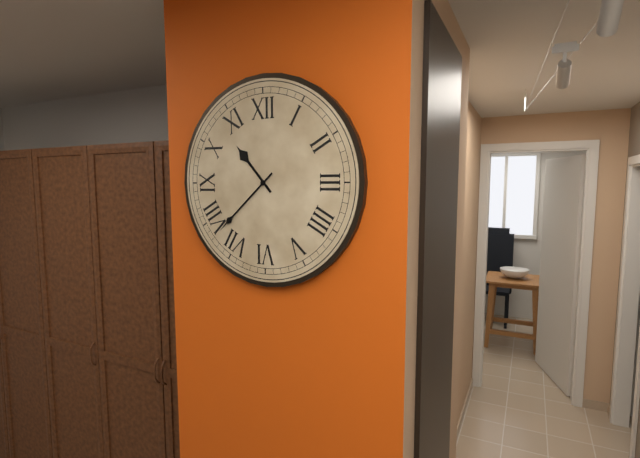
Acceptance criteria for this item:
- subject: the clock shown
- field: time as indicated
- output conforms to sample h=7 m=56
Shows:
h=10 m=38
